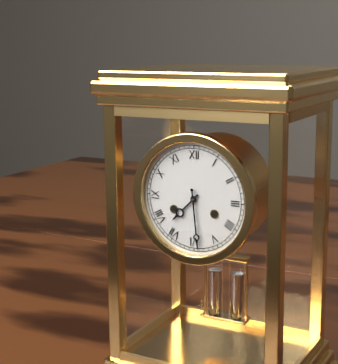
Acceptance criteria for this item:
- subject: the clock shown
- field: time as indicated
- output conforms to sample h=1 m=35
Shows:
h=7 m=29
